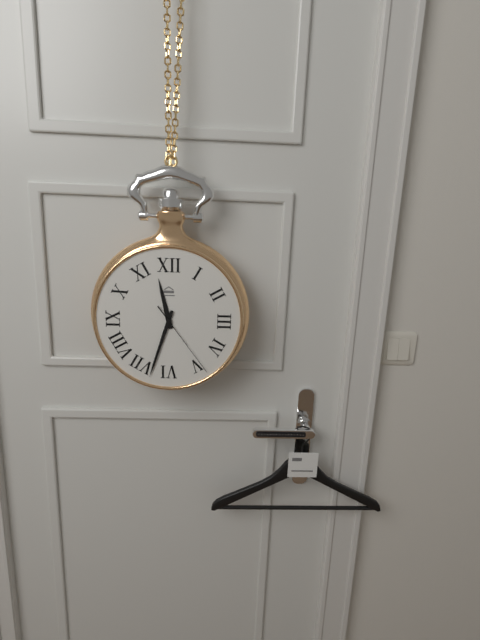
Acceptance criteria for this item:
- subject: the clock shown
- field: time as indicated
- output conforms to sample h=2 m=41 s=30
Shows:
h=11 m=33 s=24
